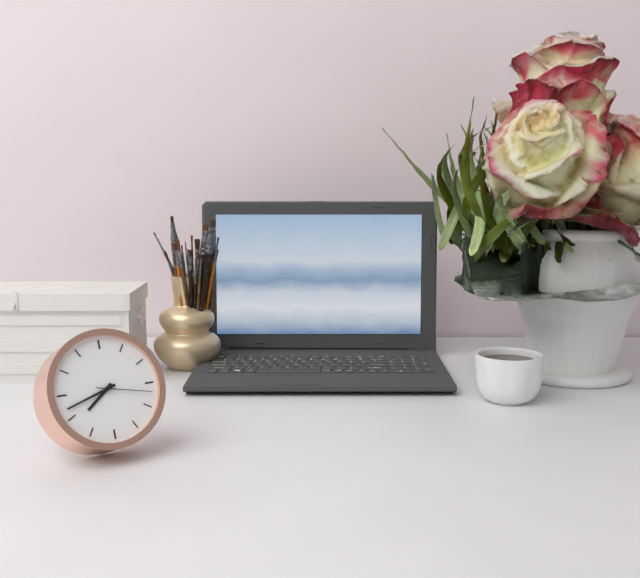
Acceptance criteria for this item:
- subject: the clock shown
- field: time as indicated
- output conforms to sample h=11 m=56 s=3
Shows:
h=7 m=42 s=17
